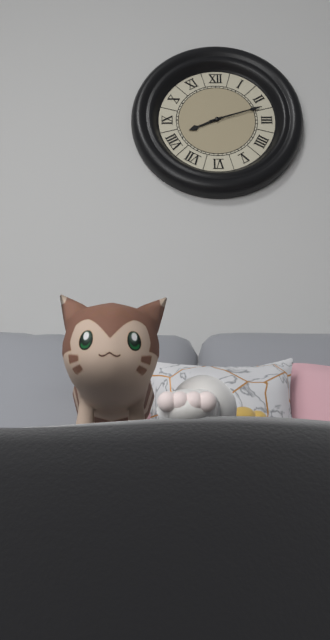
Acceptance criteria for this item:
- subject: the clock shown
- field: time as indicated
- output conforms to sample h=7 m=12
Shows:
h=8 m=12
